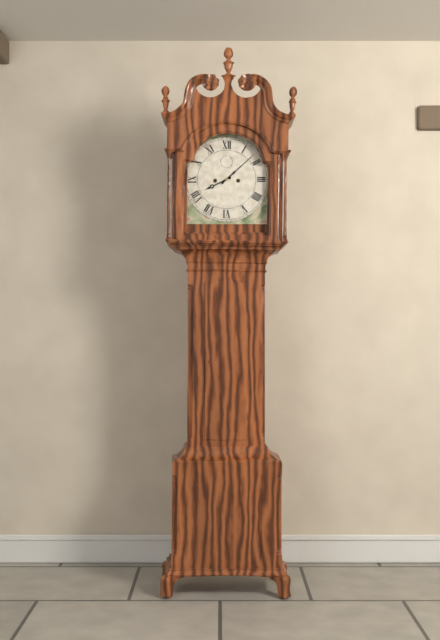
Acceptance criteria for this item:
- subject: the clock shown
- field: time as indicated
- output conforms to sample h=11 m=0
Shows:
h=8 m=8
